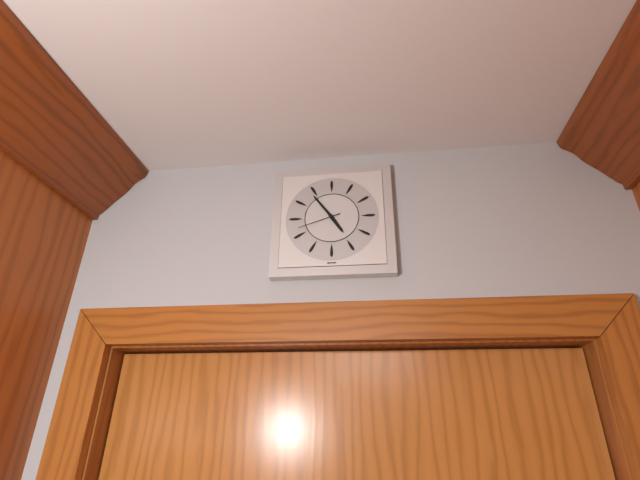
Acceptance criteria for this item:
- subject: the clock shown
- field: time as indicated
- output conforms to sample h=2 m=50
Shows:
h=4 m=54
